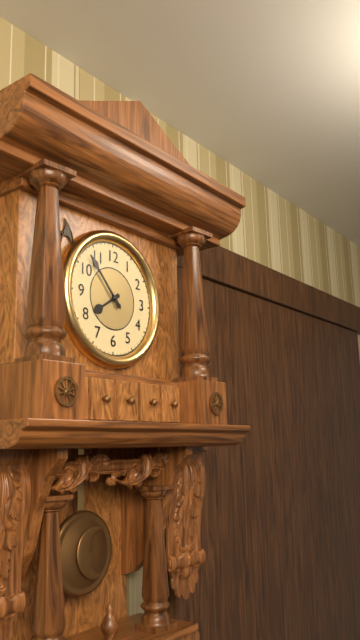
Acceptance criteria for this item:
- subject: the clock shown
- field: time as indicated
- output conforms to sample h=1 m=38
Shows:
h=7 m=53
